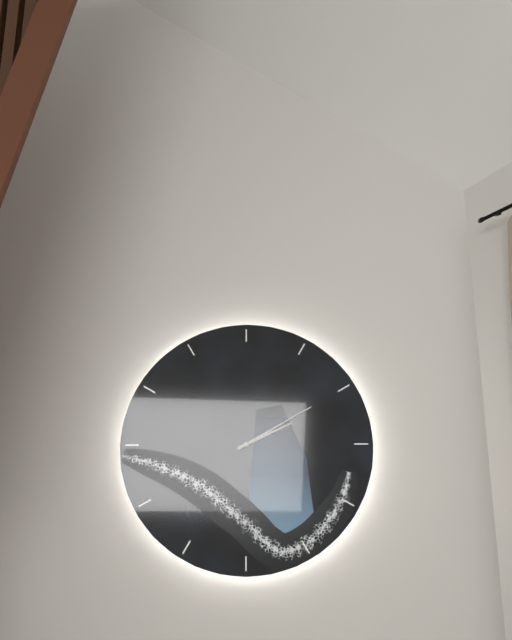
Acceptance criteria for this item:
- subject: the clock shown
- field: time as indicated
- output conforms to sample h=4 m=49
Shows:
h=2 m=10
